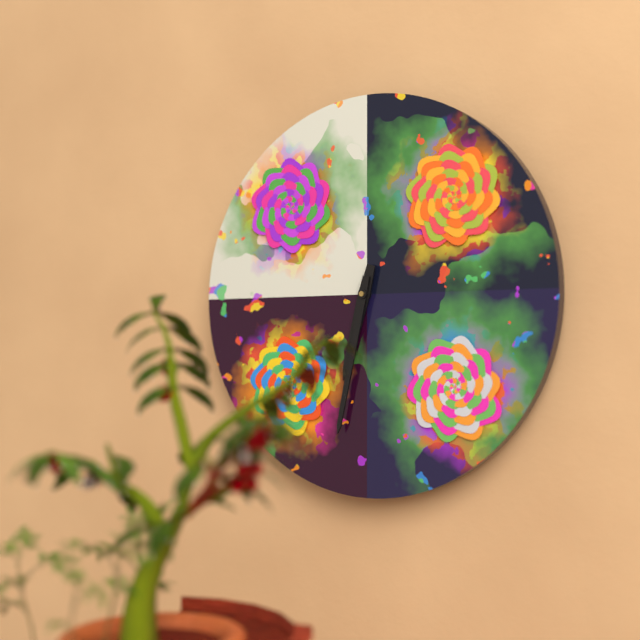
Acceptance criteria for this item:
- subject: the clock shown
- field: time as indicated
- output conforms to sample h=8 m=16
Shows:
h=6 m=32
